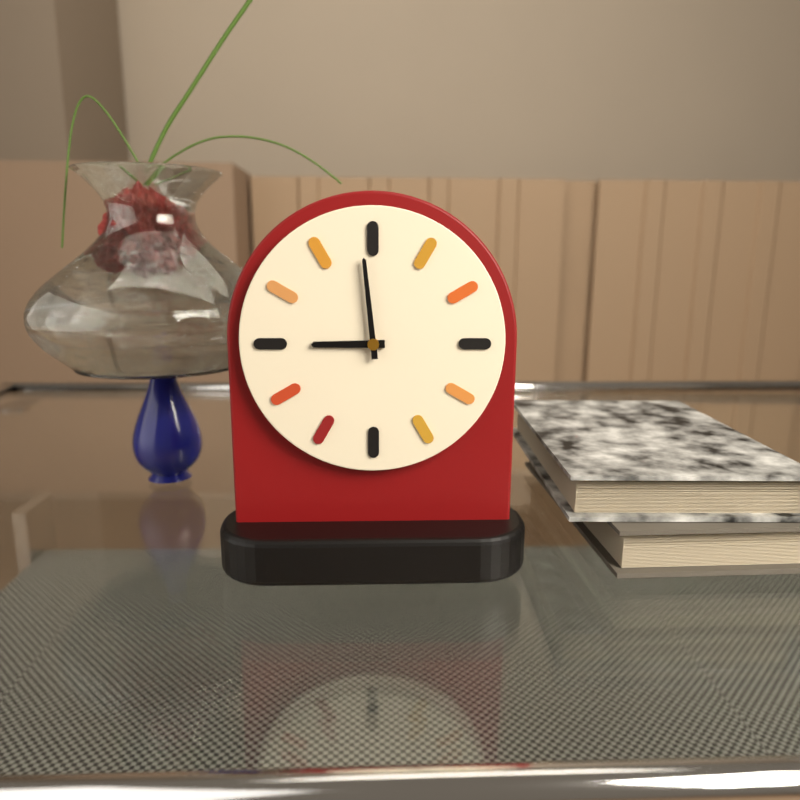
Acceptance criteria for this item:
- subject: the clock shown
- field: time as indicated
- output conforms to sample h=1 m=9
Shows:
h=8 m=59
